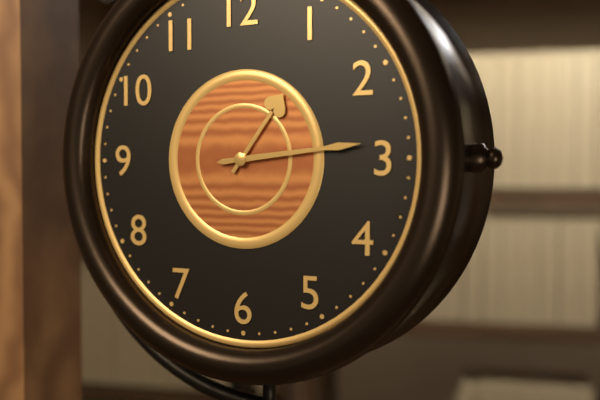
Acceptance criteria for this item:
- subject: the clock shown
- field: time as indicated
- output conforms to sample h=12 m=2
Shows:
h=1 m=14
